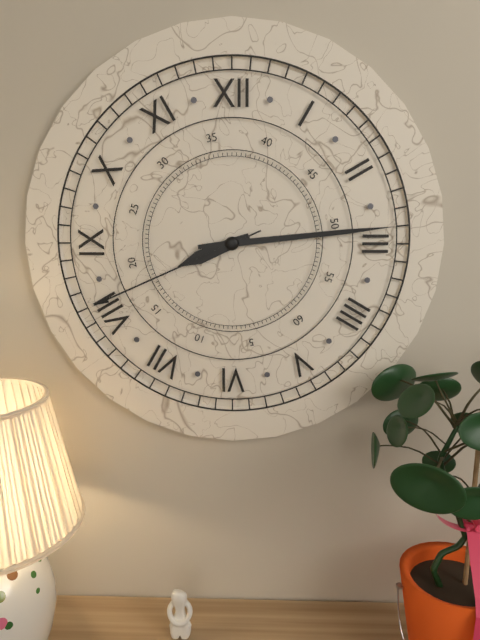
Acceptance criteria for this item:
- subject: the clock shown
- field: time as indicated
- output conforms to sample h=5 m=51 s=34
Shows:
h=8 m=14 s=41
